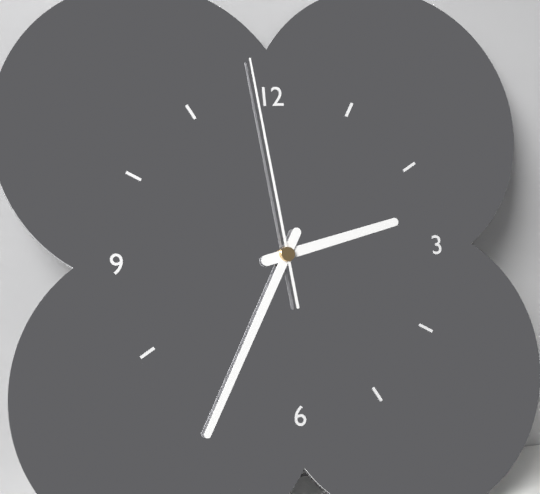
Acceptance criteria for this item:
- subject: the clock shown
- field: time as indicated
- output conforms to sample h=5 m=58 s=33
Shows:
h=2 m=35 s=59
